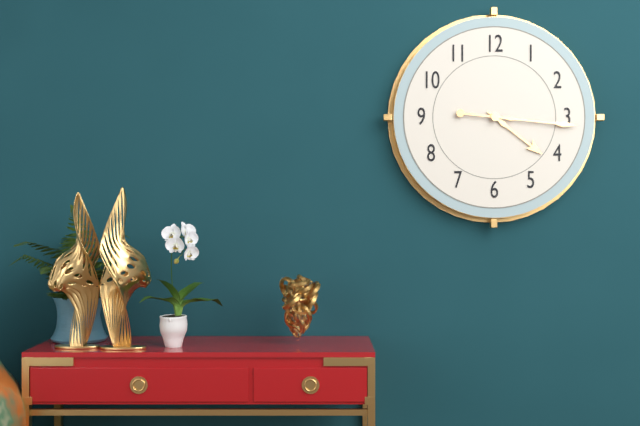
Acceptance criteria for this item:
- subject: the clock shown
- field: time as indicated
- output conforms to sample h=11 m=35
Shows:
h=4 m=16
